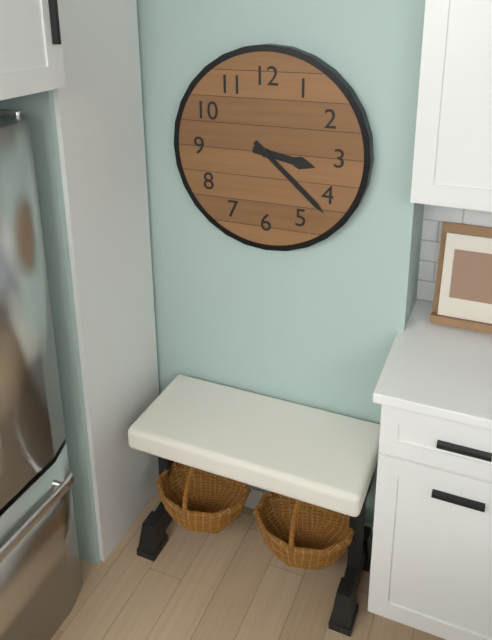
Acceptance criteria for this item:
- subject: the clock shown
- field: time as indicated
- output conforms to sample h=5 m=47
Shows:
h=3 m=22
